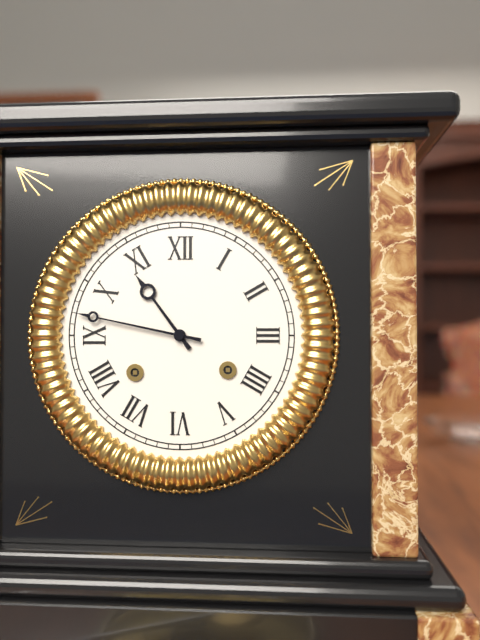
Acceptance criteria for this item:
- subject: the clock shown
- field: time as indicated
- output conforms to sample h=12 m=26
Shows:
h=10 m=47
